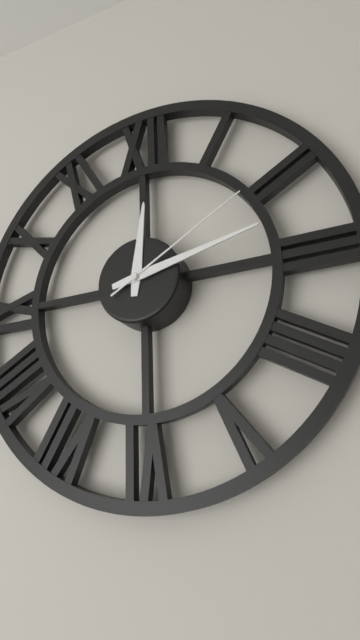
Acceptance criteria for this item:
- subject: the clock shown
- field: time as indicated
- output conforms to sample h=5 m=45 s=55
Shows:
h=12 m=13 s=10
